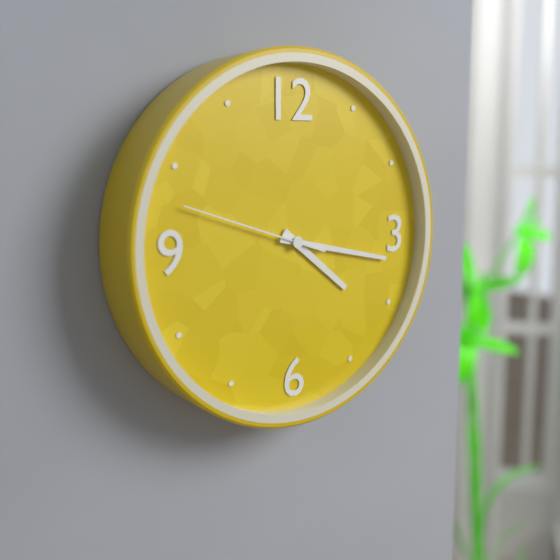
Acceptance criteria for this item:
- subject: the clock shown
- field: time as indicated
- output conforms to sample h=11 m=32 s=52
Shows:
h=4 m=17 s=48
